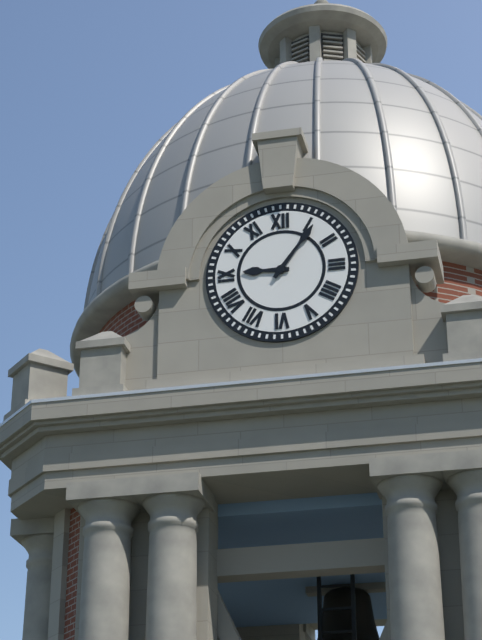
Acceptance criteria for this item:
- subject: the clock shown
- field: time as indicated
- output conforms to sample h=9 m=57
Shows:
h=9 m=6
